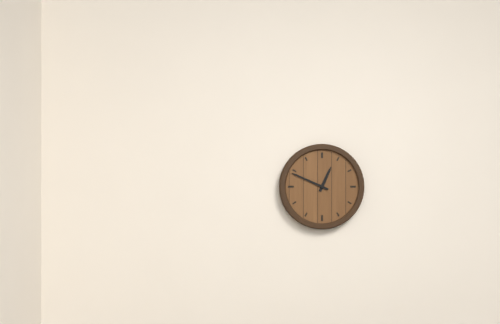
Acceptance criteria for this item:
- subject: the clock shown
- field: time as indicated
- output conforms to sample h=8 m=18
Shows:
h=12 m=49
